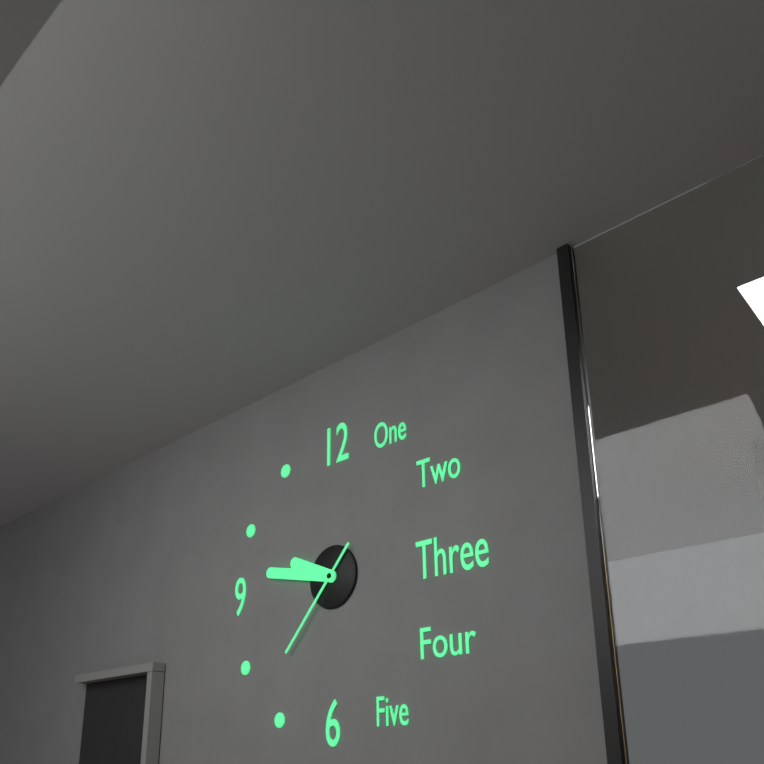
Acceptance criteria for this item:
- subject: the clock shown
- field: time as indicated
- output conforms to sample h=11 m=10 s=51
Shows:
h=9 m=47 s=37
